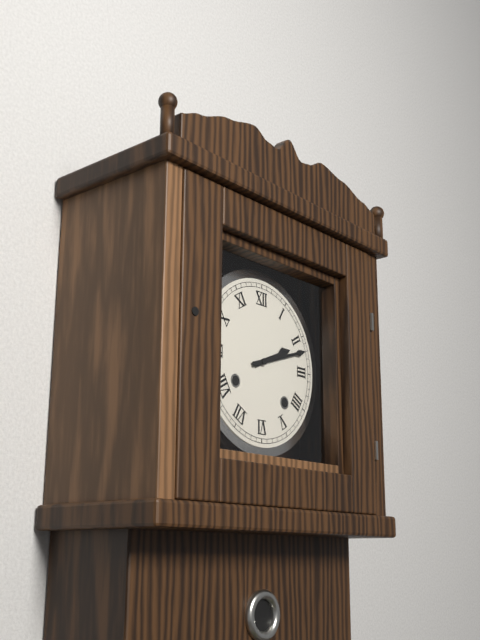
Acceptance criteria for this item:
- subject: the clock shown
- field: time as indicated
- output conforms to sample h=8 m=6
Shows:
h=2 m=12
